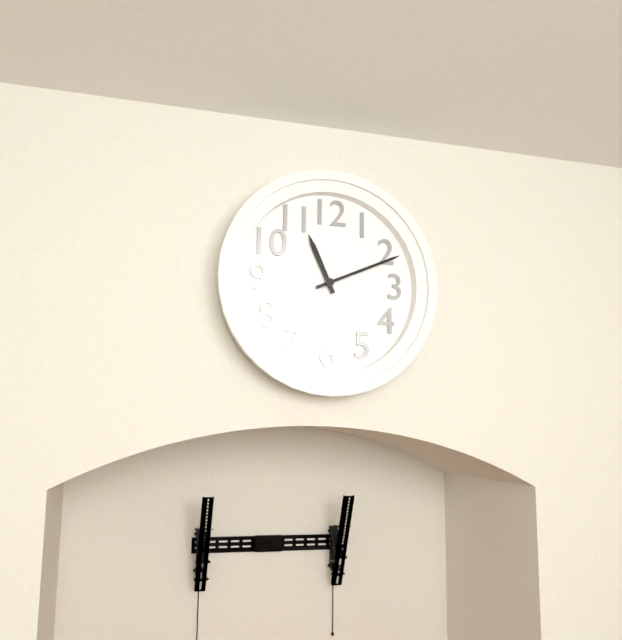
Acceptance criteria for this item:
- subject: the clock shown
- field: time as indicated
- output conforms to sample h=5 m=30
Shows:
h=11 m=11
